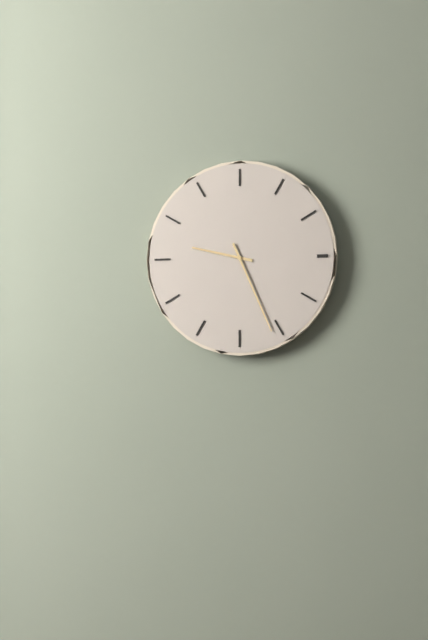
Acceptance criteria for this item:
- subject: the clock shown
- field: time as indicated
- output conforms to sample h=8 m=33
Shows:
h=9 m=26
